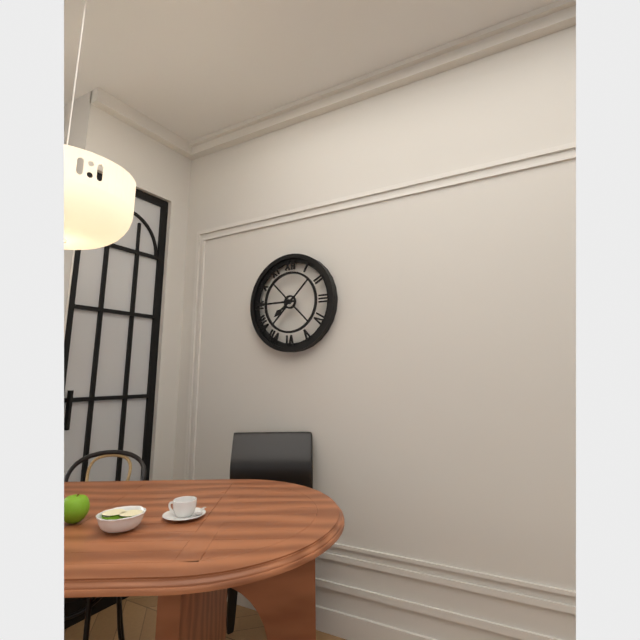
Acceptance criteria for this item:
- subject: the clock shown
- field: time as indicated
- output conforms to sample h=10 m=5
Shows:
h=7 m=45
